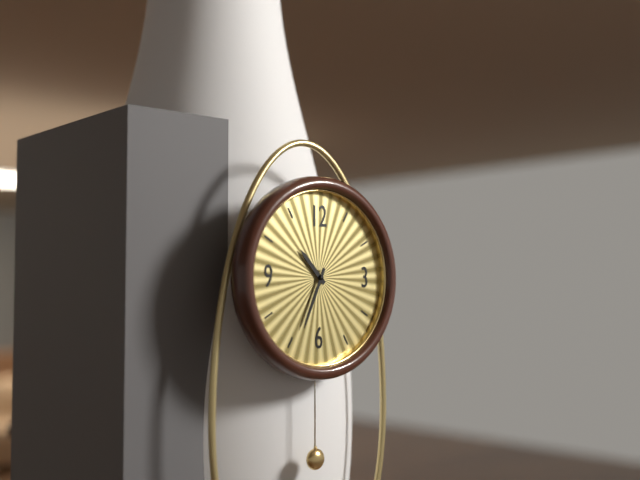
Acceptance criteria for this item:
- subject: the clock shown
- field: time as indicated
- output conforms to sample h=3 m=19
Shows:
h=10 m=34
